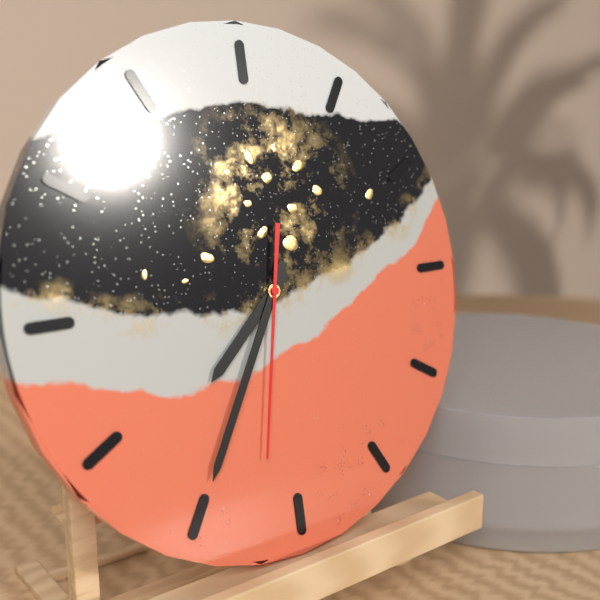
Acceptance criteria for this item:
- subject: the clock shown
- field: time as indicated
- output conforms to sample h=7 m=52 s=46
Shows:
h=7 m=35 s=32
